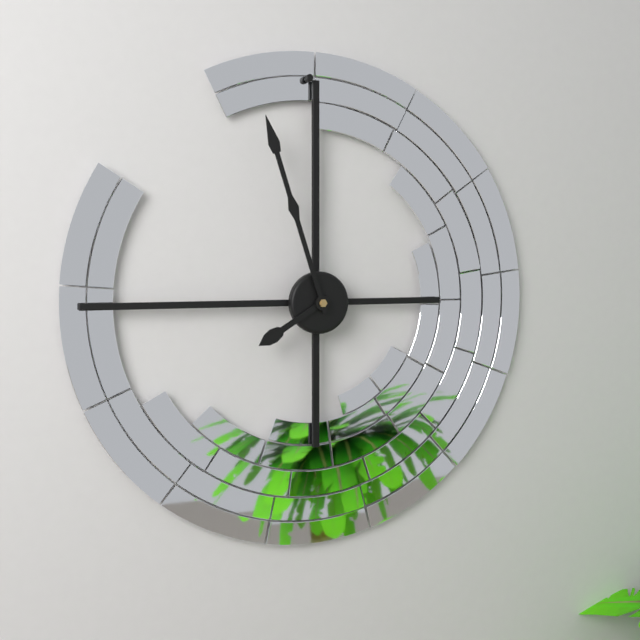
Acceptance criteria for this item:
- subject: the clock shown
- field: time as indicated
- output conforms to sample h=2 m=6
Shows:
h=7 m=57
